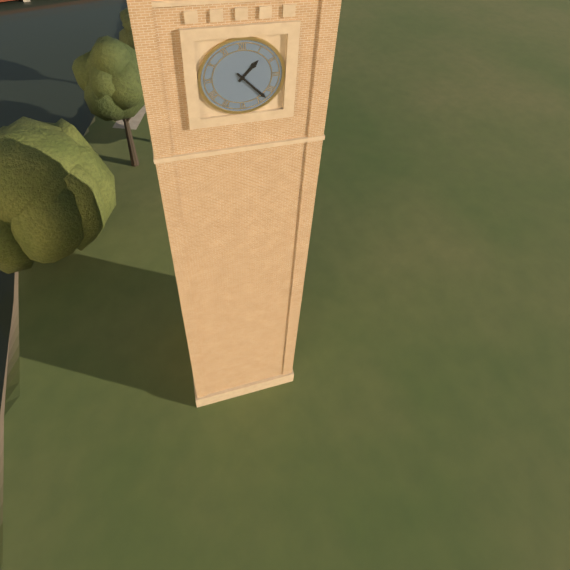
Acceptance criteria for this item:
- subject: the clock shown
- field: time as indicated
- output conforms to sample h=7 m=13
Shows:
h=1 m=23
